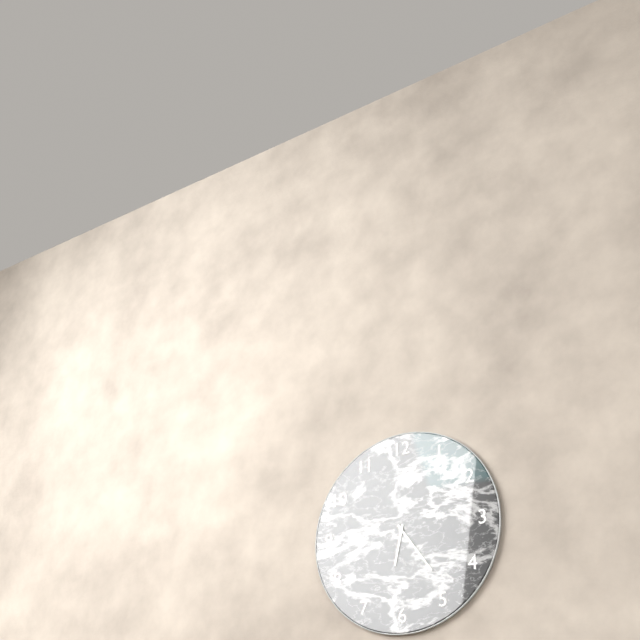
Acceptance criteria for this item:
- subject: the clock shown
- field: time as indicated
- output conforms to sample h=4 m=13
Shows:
h=6 m=24
